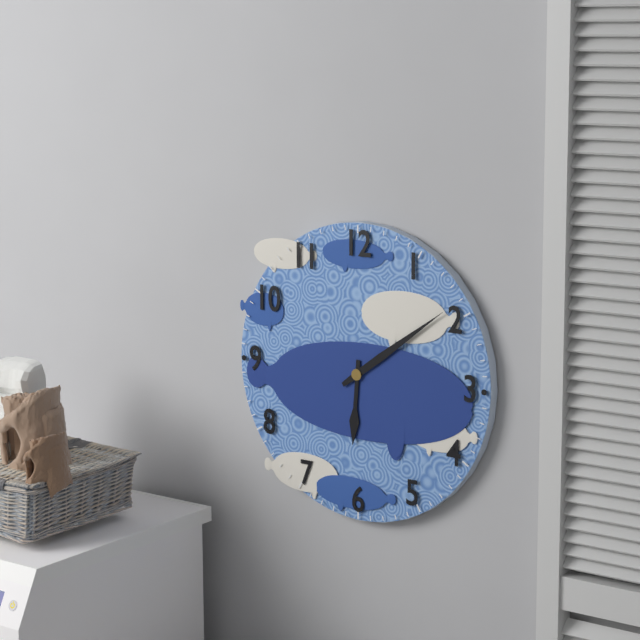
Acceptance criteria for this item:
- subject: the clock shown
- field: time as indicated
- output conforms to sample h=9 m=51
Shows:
h=6 m=9
